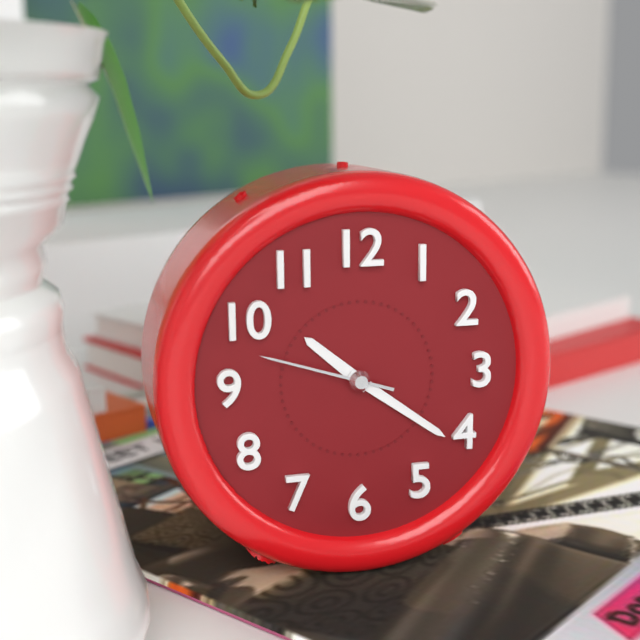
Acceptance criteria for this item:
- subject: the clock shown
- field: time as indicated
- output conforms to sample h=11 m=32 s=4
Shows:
h=10 m=21 s=48
